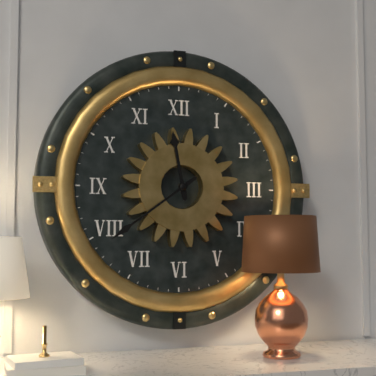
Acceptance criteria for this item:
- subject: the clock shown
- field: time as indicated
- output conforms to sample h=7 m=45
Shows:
h=11 m=39
